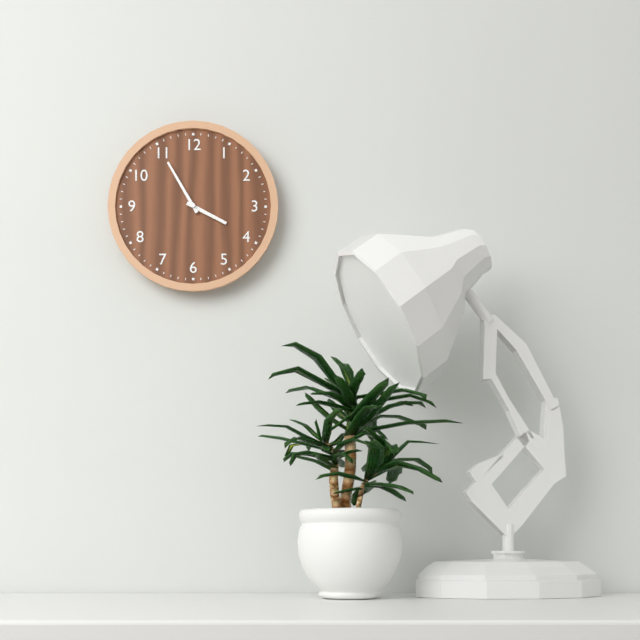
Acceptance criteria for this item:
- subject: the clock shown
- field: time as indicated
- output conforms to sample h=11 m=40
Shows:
h=3 m=55
